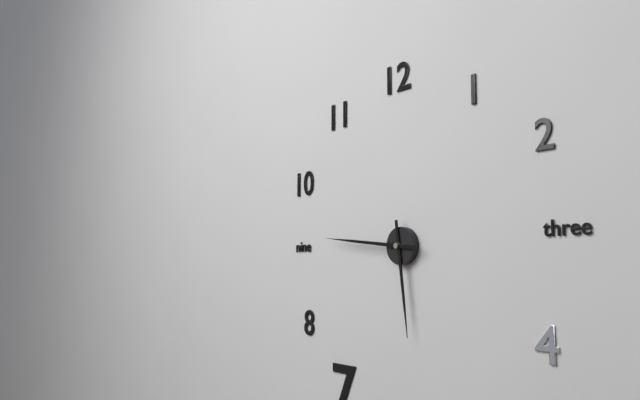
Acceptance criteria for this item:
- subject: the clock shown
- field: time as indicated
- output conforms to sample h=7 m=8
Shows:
h=5 m=46
